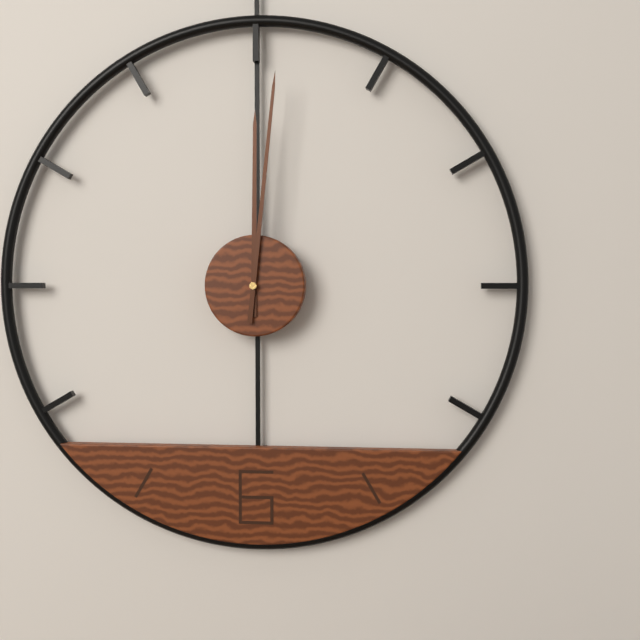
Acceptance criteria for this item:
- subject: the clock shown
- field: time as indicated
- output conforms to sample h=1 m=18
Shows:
h=12 m=1
